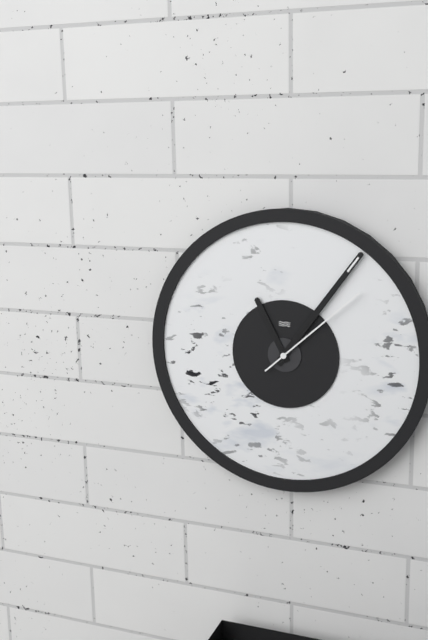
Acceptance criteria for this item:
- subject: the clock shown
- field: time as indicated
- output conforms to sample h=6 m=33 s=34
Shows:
h=11 m=6 s=8
